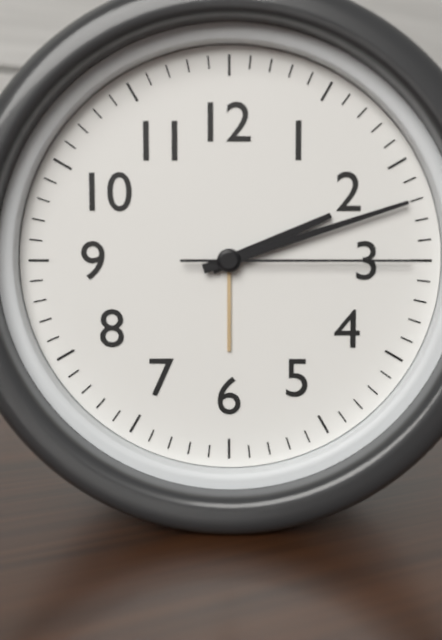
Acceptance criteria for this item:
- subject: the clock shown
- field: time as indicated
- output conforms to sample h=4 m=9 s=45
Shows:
h=2 m=12 s=15
